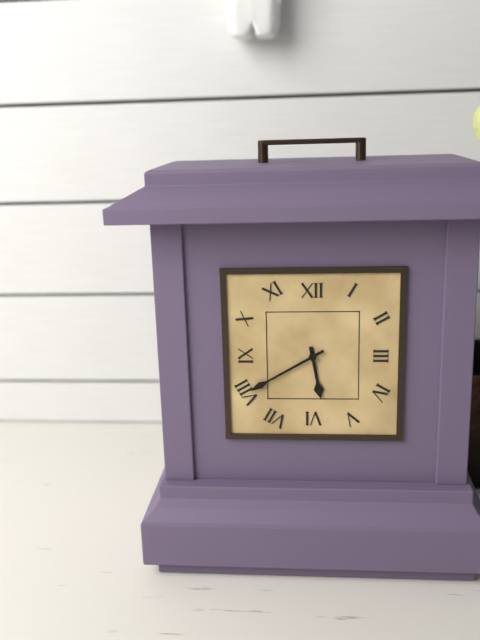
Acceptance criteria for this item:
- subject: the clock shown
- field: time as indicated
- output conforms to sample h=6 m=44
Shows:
h=5 m=40
